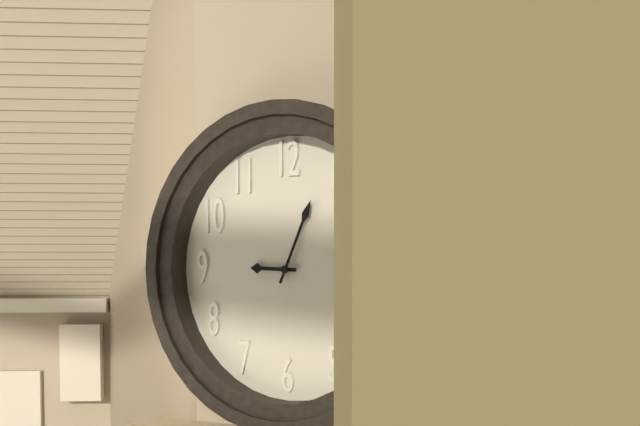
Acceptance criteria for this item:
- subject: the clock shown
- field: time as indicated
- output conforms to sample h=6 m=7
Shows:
h=9 m=4
